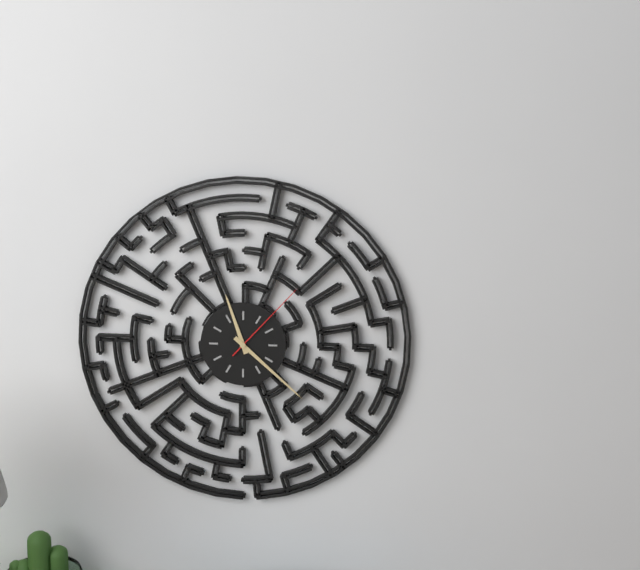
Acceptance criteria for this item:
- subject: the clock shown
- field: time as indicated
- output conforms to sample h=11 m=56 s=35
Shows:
h=11 m=22 s=7
